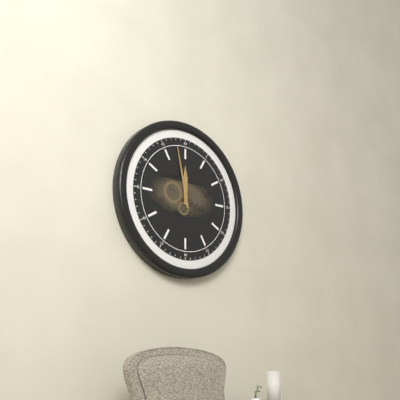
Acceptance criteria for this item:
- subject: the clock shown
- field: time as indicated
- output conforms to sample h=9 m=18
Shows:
h=11 m=58
